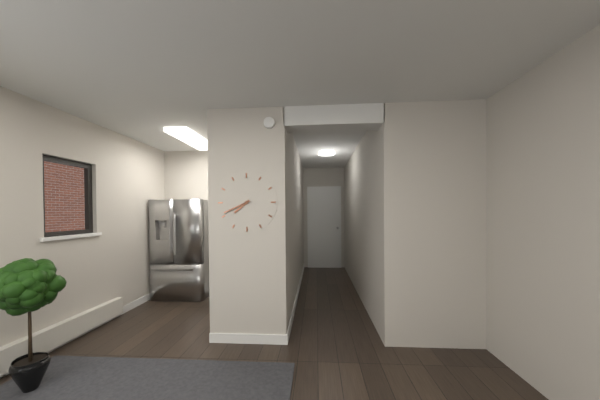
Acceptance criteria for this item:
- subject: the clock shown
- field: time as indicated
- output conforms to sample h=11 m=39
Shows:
h=7 m=41
